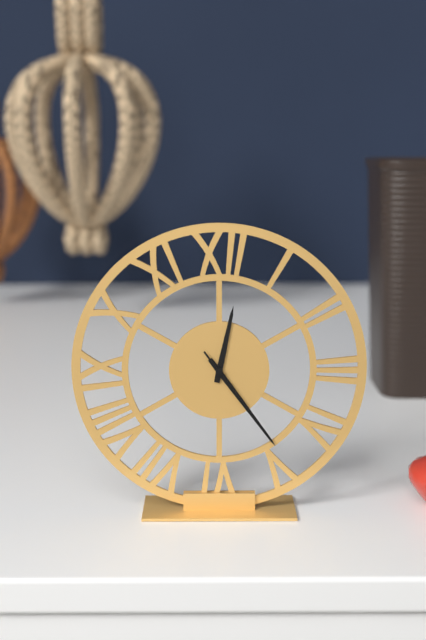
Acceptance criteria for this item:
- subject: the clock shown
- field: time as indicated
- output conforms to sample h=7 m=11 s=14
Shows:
h=12 m=24 s=24
